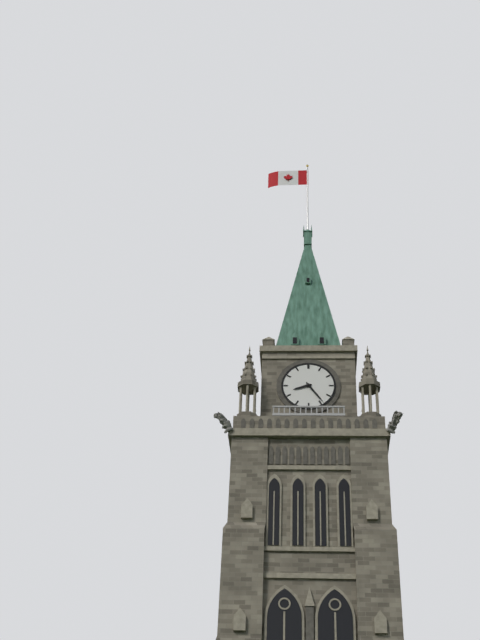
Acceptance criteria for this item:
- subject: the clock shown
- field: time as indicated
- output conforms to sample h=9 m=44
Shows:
h=8 m=24
